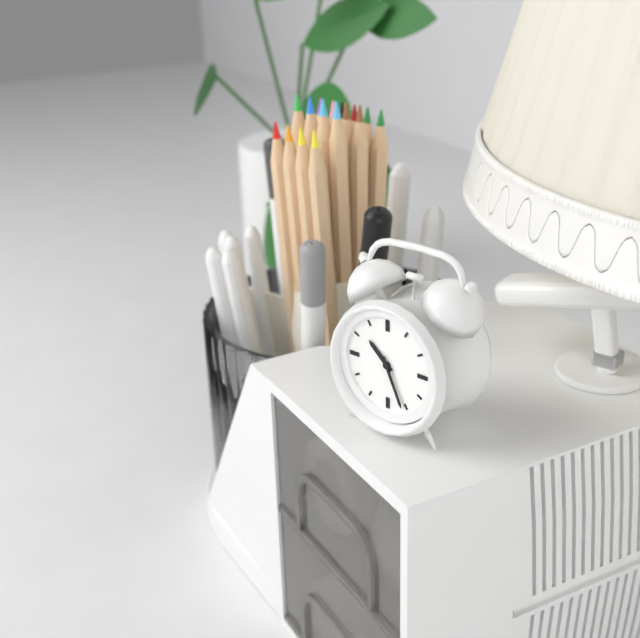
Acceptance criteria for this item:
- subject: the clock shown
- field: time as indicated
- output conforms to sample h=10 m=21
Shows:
h=10 m=26
